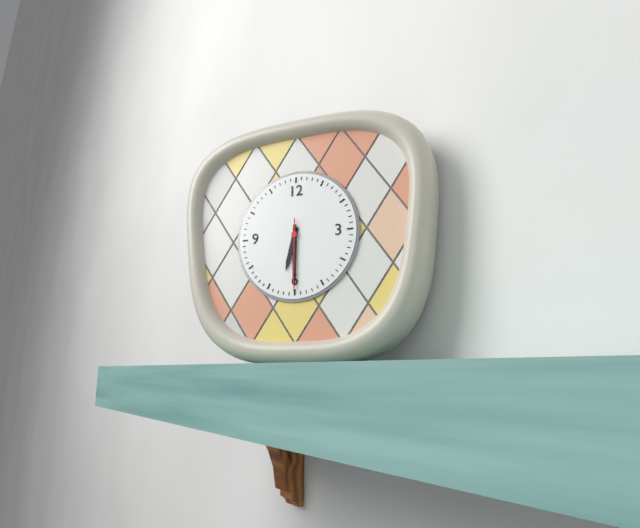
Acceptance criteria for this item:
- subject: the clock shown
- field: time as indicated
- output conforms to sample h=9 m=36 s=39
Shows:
h=6 m=30 s=30
